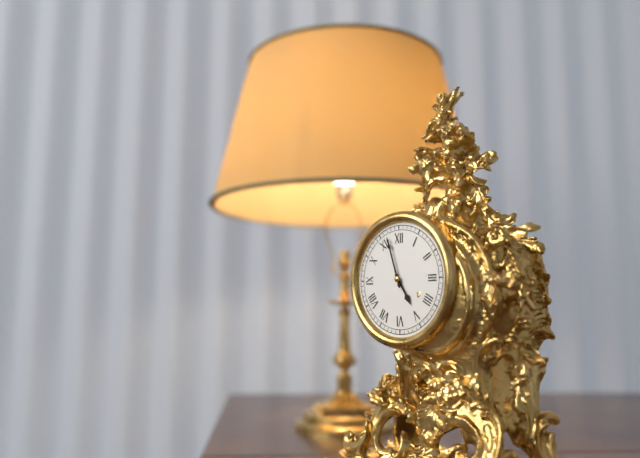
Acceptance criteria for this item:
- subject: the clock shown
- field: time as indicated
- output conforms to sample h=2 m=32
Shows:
h=4 m=57
